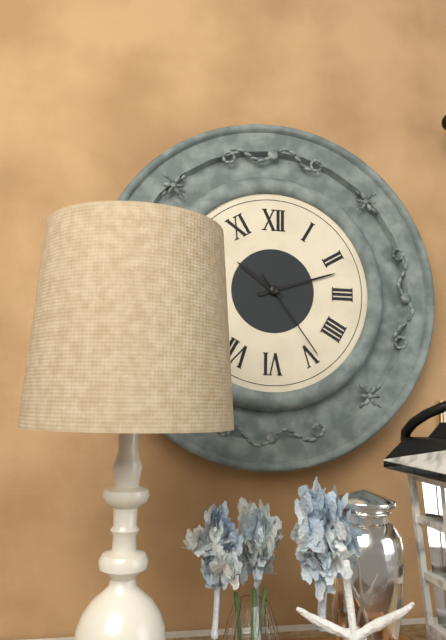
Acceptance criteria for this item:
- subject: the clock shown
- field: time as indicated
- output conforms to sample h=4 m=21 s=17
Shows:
h=10 m=12 s=24
